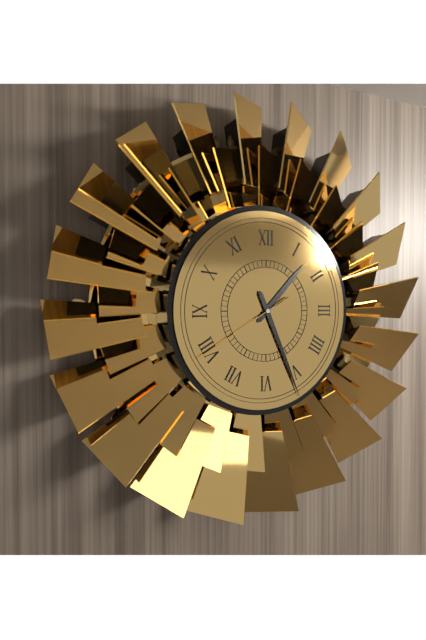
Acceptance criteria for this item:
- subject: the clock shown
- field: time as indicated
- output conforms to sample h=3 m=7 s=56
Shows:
h=1 m=26 s=40
